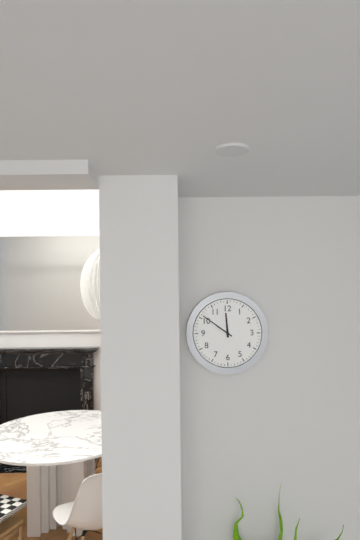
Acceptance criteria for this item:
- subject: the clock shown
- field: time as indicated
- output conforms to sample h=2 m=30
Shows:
h=11 m=51
